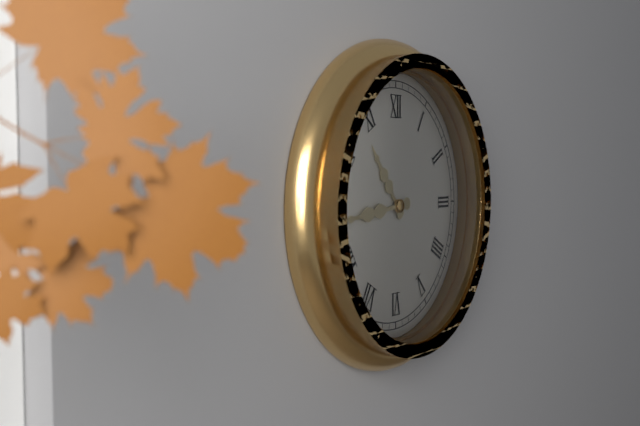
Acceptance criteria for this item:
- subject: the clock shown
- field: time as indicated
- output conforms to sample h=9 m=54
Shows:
h=10 m=44
